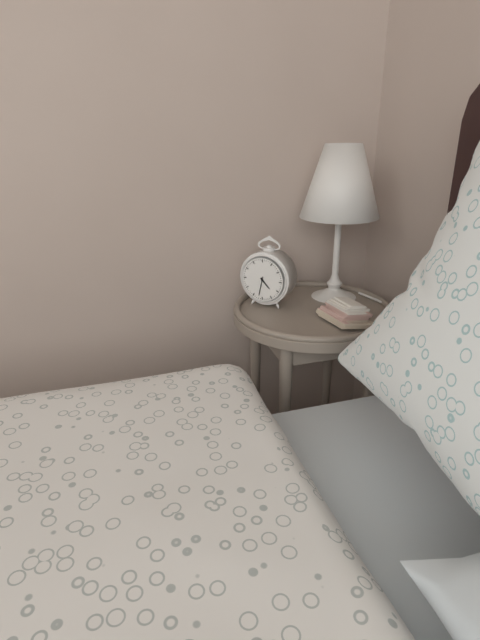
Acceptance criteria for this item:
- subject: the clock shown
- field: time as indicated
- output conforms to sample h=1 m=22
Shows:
h=4 m=32
